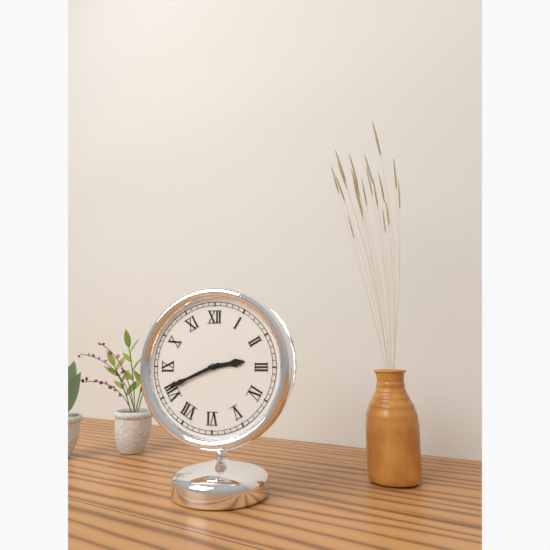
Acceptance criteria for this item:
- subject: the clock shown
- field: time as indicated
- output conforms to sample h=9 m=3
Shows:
h=2 m=41
